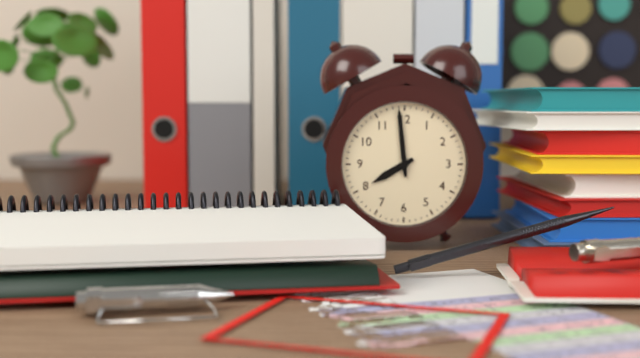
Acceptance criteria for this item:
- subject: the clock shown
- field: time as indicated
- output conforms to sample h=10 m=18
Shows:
h=7 m=59
